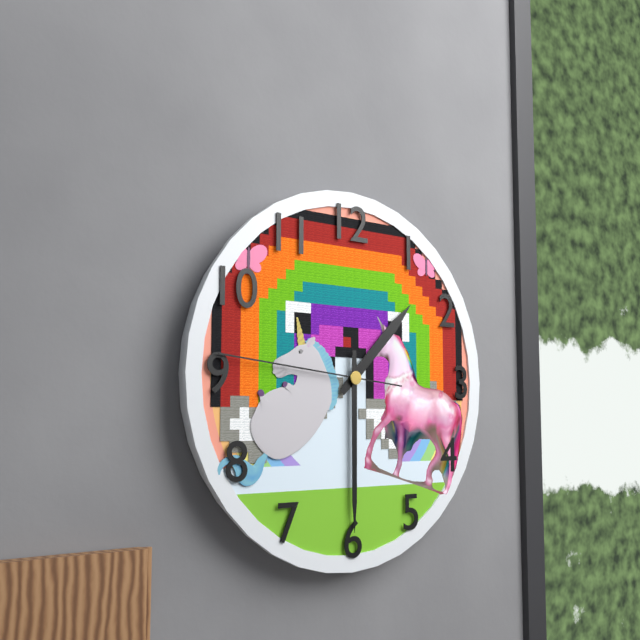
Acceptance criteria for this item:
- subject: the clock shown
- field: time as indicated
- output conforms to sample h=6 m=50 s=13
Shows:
h=1 m=30 s=46
